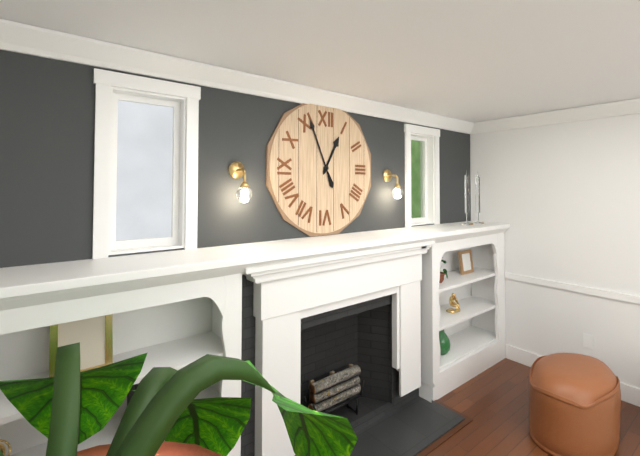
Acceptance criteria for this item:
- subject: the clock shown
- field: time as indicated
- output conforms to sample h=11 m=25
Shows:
h=12 m=56
